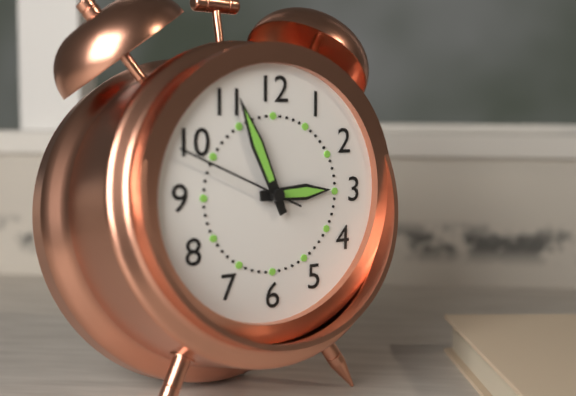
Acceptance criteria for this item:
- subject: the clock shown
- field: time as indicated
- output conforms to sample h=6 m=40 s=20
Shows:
h=2 m=56 s=49
